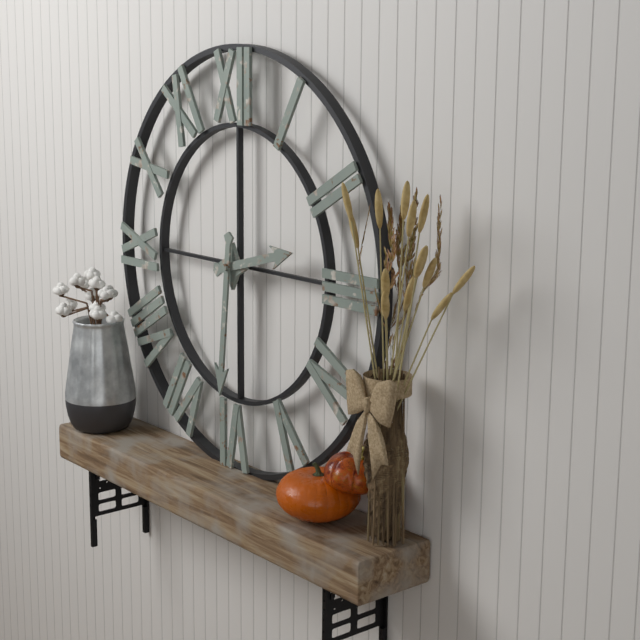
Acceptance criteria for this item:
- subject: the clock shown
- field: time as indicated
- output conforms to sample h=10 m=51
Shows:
h=2 m=31
